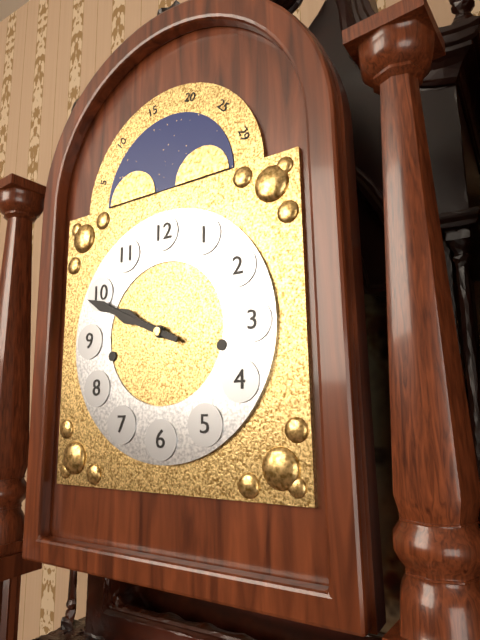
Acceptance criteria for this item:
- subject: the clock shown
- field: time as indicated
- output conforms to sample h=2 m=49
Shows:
h=9 m=49
